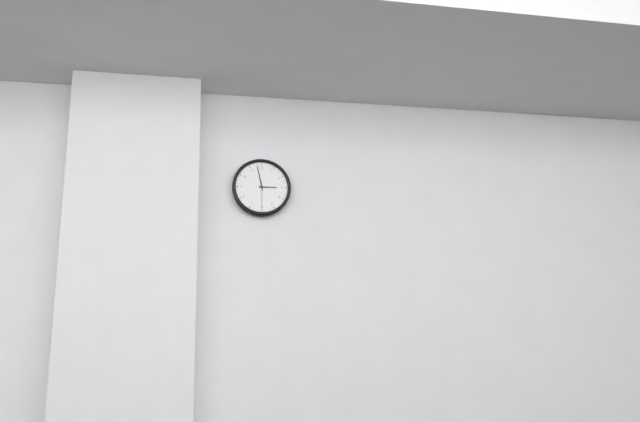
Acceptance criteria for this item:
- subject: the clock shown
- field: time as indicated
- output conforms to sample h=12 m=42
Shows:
h=2 m=58
